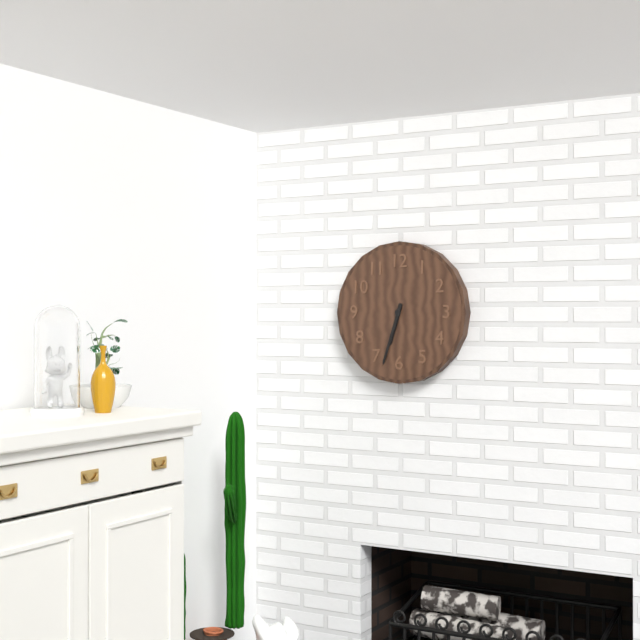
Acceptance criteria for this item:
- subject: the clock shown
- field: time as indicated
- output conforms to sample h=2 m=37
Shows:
h=6 m=33
